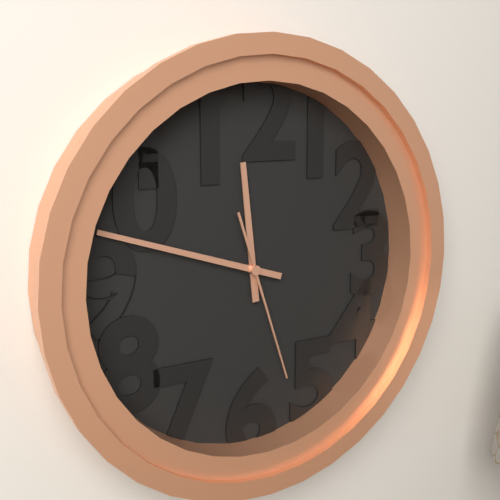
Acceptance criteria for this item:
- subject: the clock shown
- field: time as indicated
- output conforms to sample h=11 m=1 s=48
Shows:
h=11 m=48 s=27
